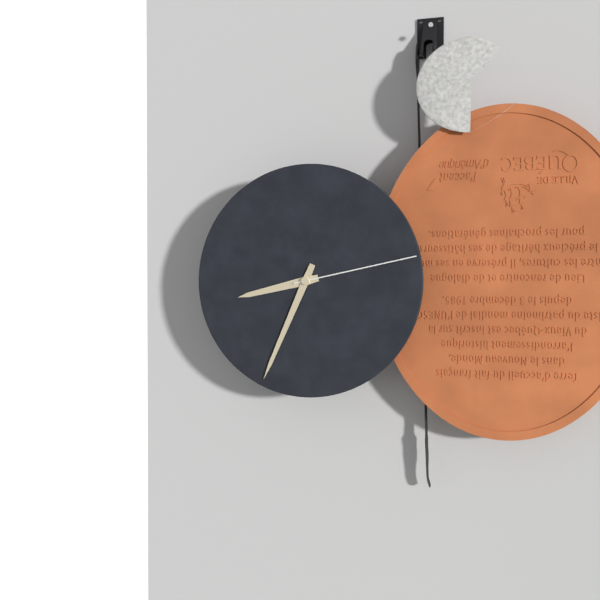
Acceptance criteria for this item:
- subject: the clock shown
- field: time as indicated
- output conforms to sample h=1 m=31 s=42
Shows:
h=8 m=34 s=13
